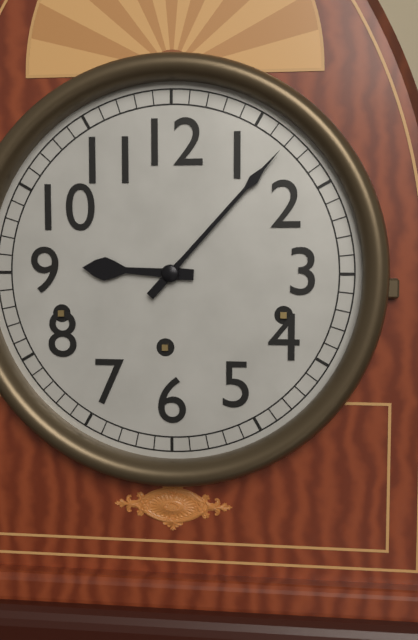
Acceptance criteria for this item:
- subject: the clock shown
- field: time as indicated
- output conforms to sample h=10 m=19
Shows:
h=9 m=7
